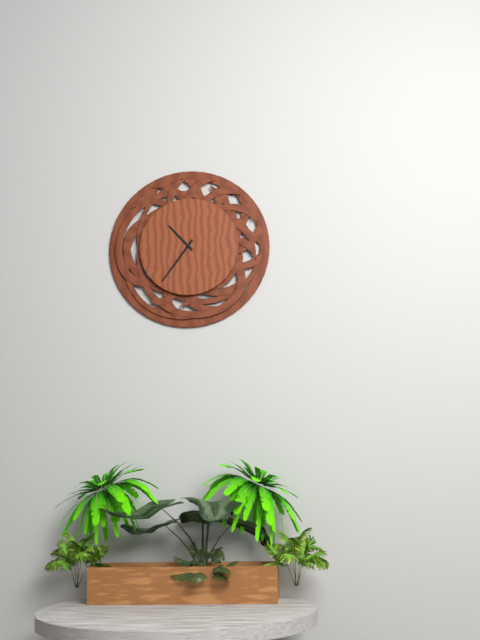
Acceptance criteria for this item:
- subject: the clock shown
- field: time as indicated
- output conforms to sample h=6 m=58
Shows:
h=10 m=36
